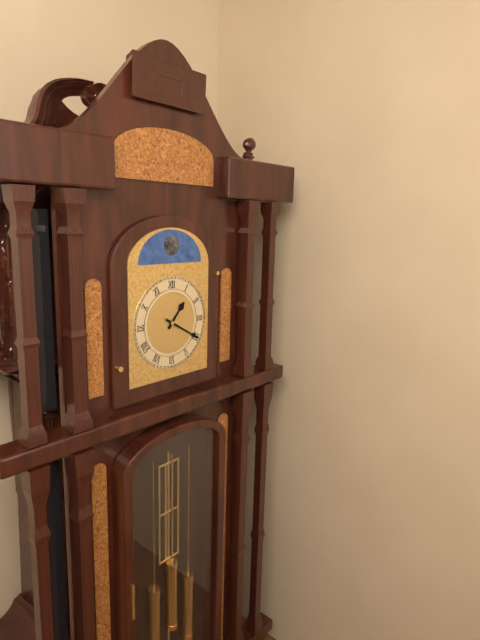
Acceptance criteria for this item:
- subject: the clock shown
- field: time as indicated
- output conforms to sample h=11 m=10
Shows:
h=1 m=20
